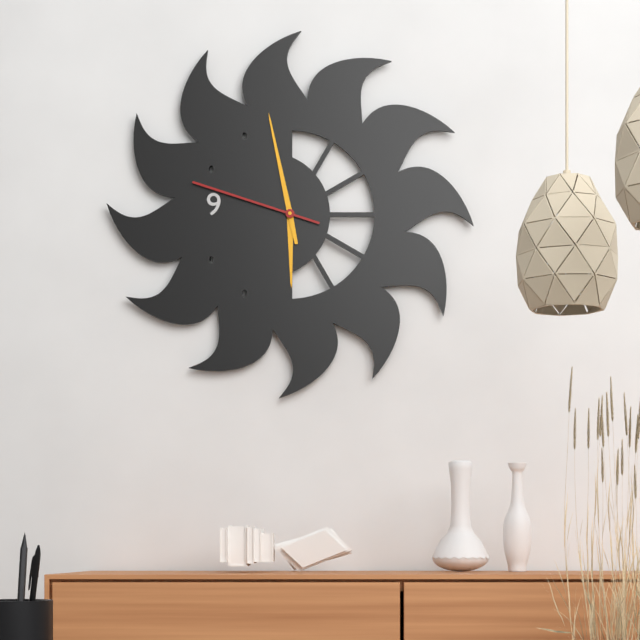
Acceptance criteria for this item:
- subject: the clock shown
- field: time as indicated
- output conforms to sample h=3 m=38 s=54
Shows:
h=5 m=58 s=48
